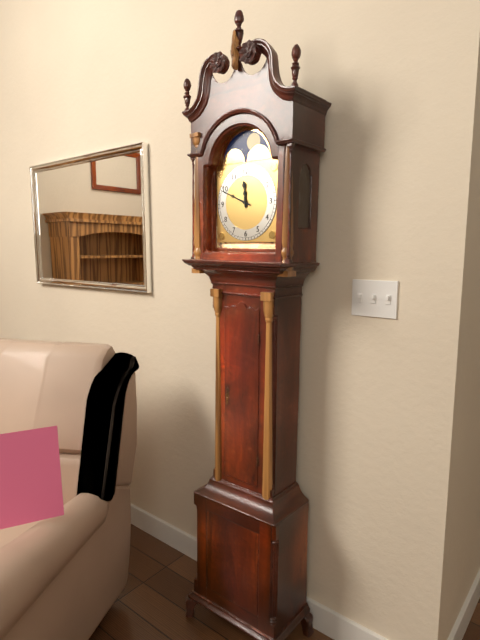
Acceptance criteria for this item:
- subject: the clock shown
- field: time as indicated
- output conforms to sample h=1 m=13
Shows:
h=11 m=49
